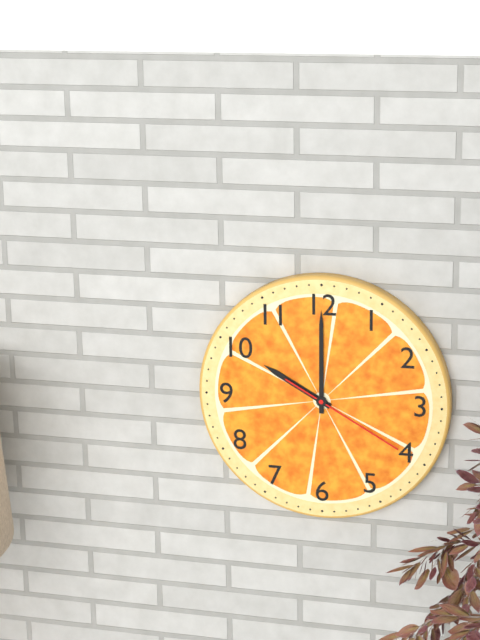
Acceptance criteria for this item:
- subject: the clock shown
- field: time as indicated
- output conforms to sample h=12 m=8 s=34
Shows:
h=10 m=0 s=20
